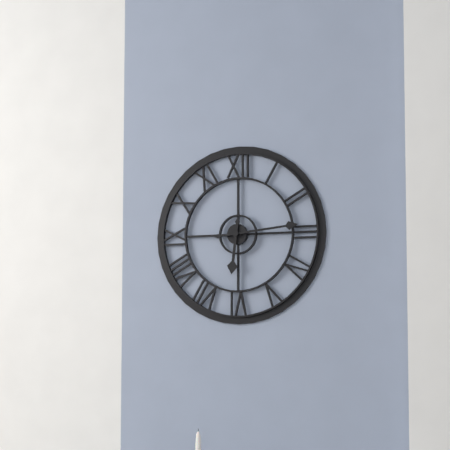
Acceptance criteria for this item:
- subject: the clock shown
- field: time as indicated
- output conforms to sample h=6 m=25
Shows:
h=6 m=14
